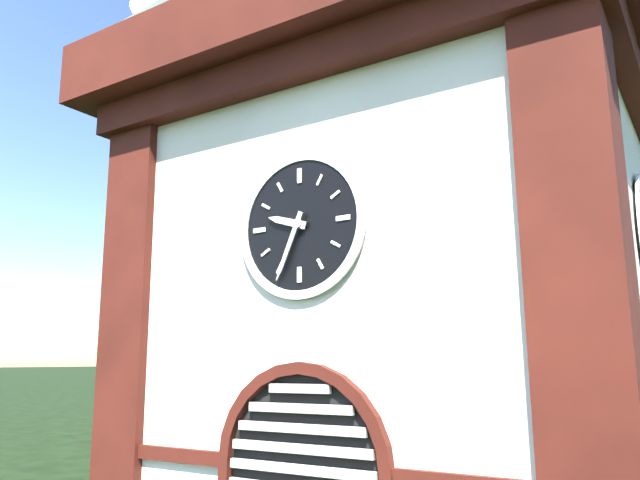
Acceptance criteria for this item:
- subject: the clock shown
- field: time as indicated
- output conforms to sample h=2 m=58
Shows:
h=9 m=34
